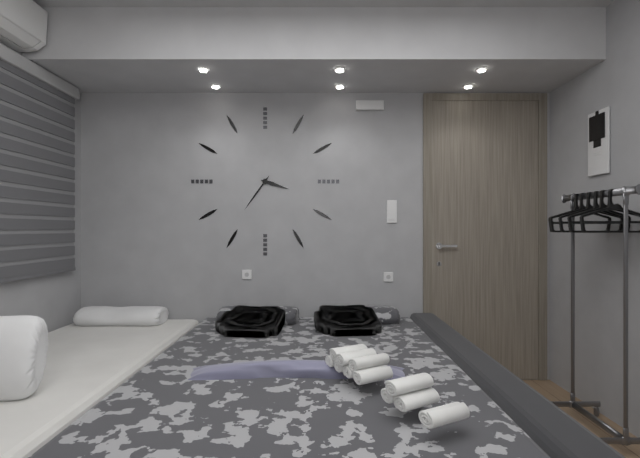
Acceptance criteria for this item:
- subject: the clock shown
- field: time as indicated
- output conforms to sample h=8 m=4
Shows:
h=3 m=36
